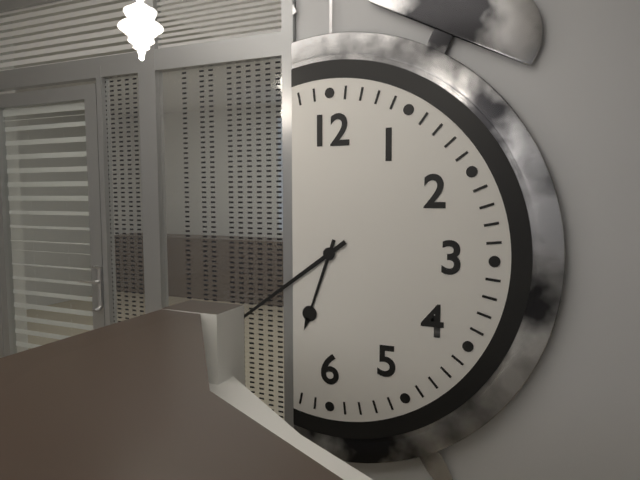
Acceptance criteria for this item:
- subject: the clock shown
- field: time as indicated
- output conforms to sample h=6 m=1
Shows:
h=6 m=39
